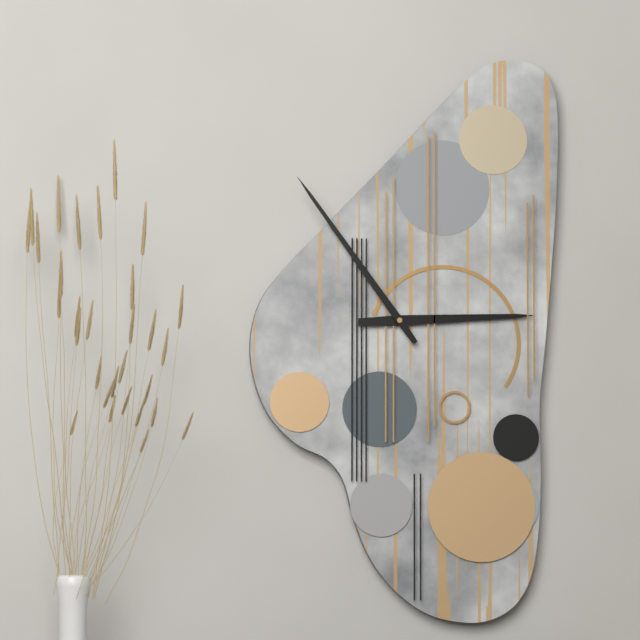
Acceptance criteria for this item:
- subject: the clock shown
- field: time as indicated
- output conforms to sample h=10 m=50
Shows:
h=2 m=54
